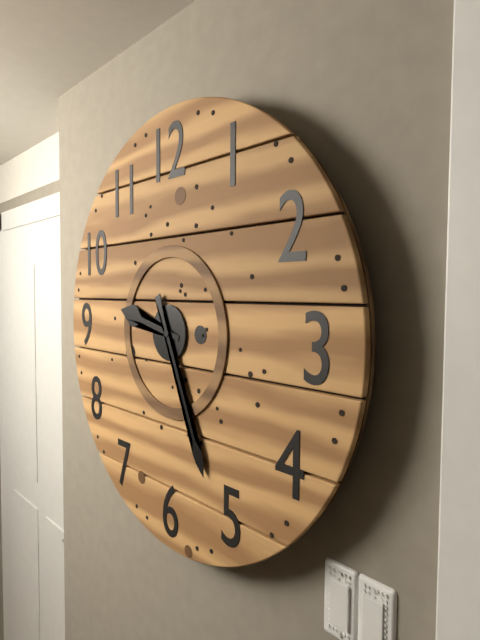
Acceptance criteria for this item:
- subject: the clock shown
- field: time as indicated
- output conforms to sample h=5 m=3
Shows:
h=9 m=26
